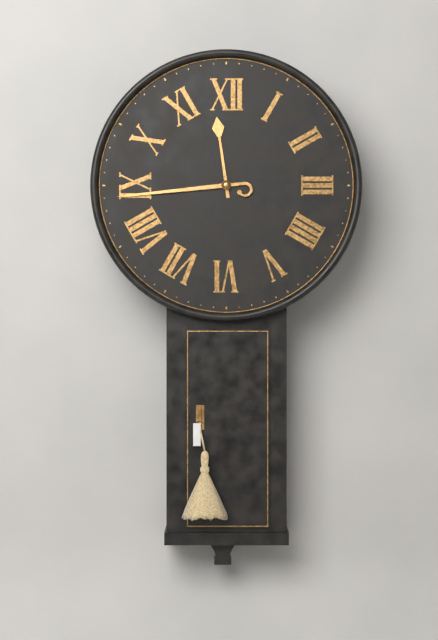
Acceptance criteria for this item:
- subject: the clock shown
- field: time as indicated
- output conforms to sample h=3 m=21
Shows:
h=11 m=44
